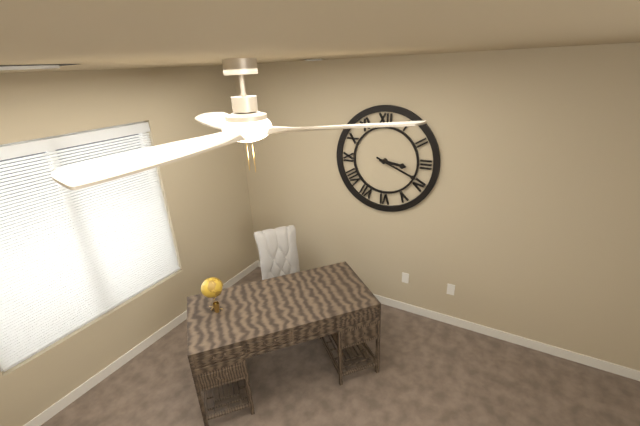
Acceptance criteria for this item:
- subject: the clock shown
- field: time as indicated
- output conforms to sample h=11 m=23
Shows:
h=3 m=19
